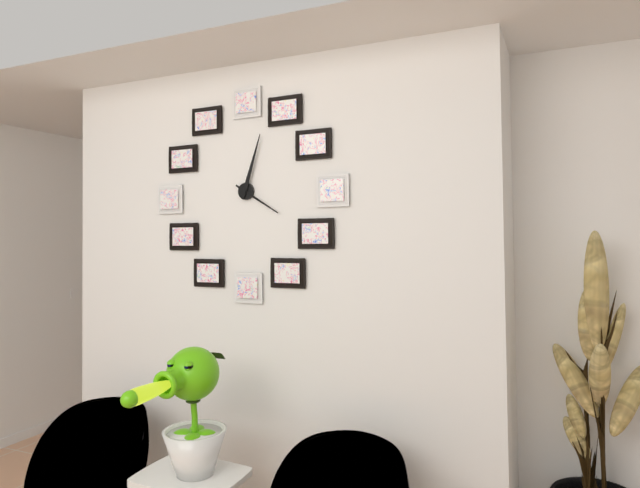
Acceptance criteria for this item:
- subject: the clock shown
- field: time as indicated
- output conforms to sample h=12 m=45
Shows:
h=4 m=3
